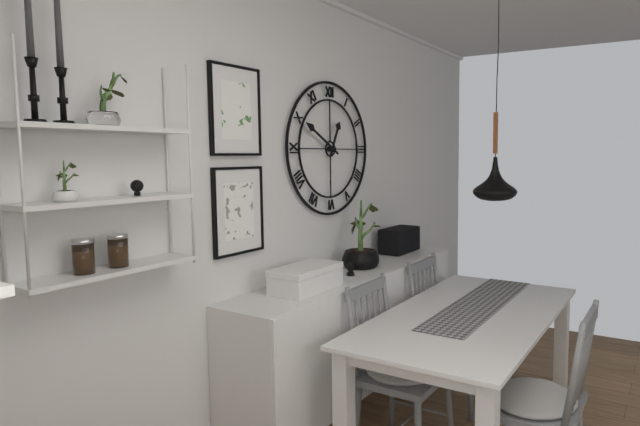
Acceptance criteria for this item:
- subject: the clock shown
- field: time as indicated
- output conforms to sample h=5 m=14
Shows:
h=12 m=50
